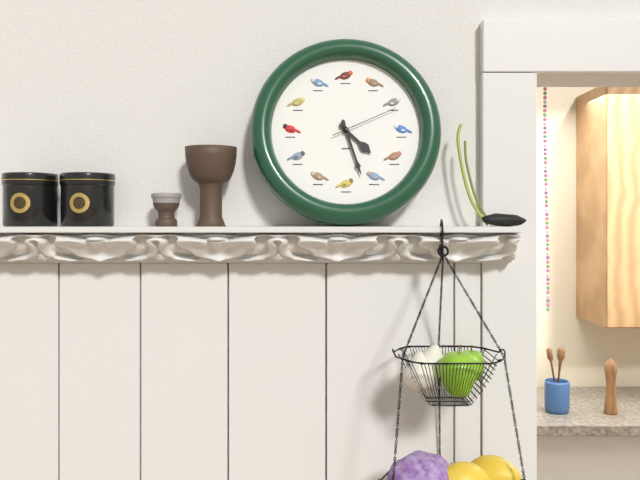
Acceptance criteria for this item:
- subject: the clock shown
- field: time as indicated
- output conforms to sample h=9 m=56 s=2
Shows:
h=4 m=27 s=11
